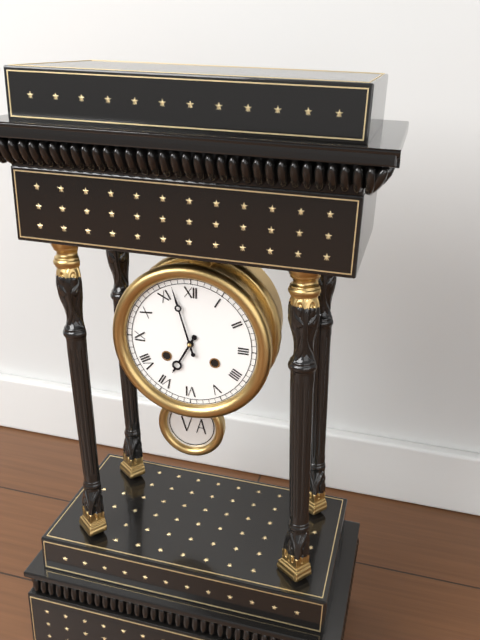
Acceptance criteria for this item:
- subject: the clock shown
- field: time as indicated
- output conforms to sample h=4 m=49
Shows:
h=6 m=57
